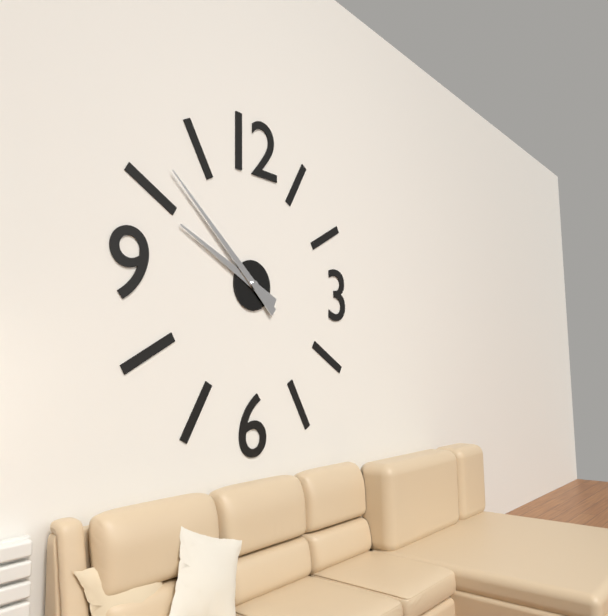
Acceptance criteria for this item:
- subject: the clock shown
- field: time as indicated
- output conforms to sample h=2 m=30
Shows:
h=9 m=52
